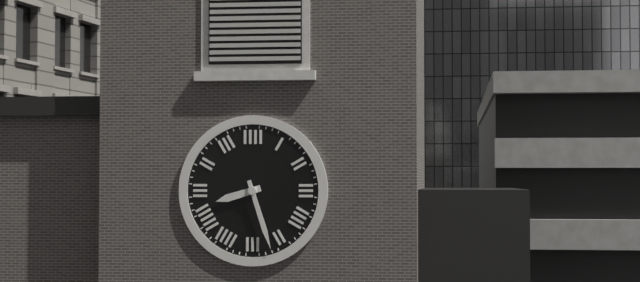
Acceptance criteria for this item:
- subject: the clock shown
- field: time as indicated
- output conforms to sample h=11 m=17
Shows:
h=8 m=27
